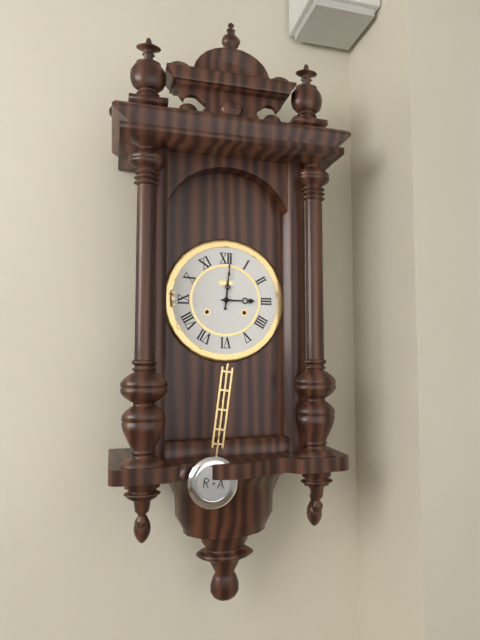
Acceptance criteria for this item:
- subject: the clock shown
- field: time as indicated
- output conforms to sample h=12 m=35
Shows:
h=3 m=1
